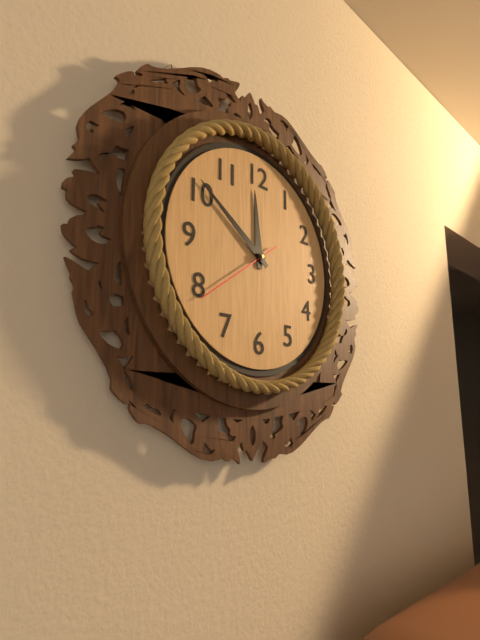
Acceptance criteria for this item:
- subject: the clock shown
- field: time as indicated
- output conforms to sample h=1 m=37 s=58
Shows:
h=11 m=51 s=39
